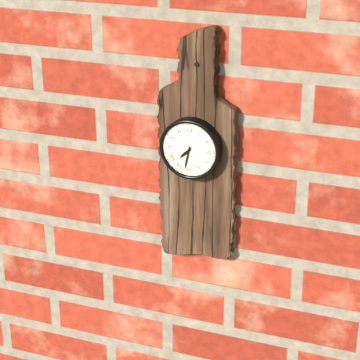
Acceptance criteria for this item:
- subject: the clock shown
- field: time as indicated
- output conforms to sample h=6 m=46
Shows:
h=7 m=32
